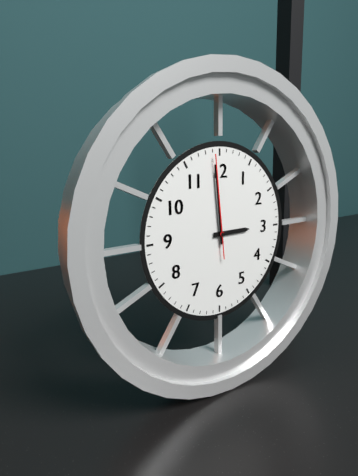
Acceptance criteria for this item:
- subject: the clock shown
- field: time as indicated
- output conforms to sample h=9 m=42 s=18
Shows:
h=2 m=59 s=59
